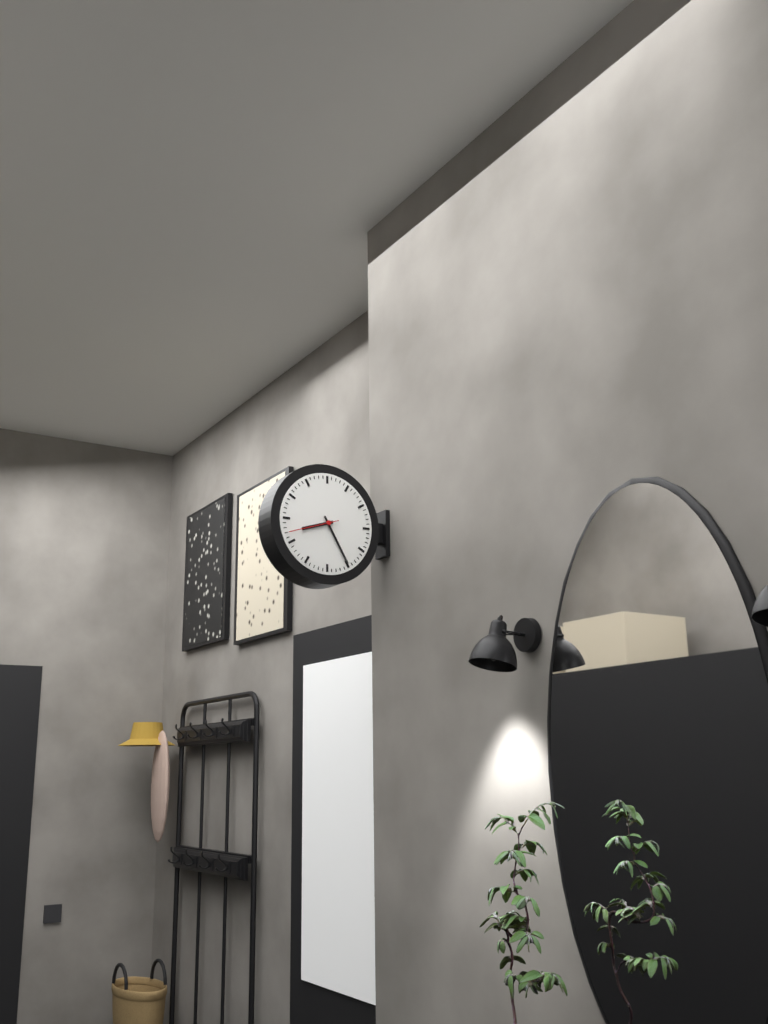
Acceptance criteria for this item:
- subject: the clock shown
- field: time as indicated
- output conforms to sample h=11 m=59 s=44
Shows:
h=8 m=25 s=42
